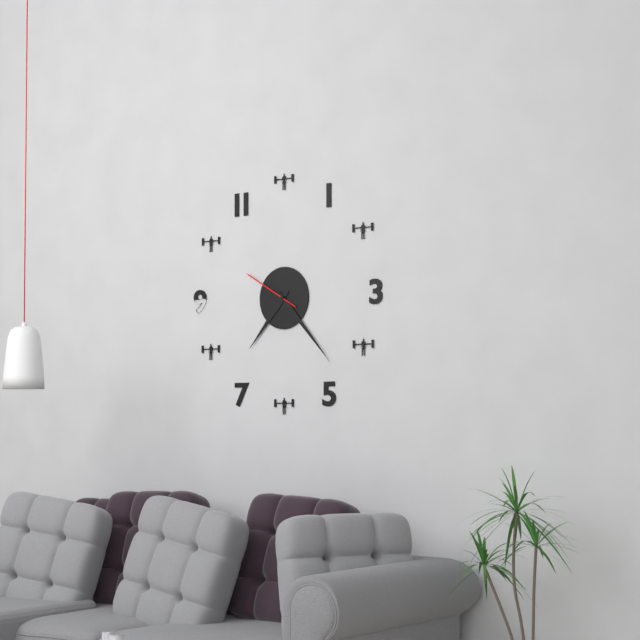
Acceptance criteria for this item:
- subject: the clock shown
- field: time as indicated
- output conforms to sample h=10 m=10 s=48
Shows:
h=7 m=23 s=50
